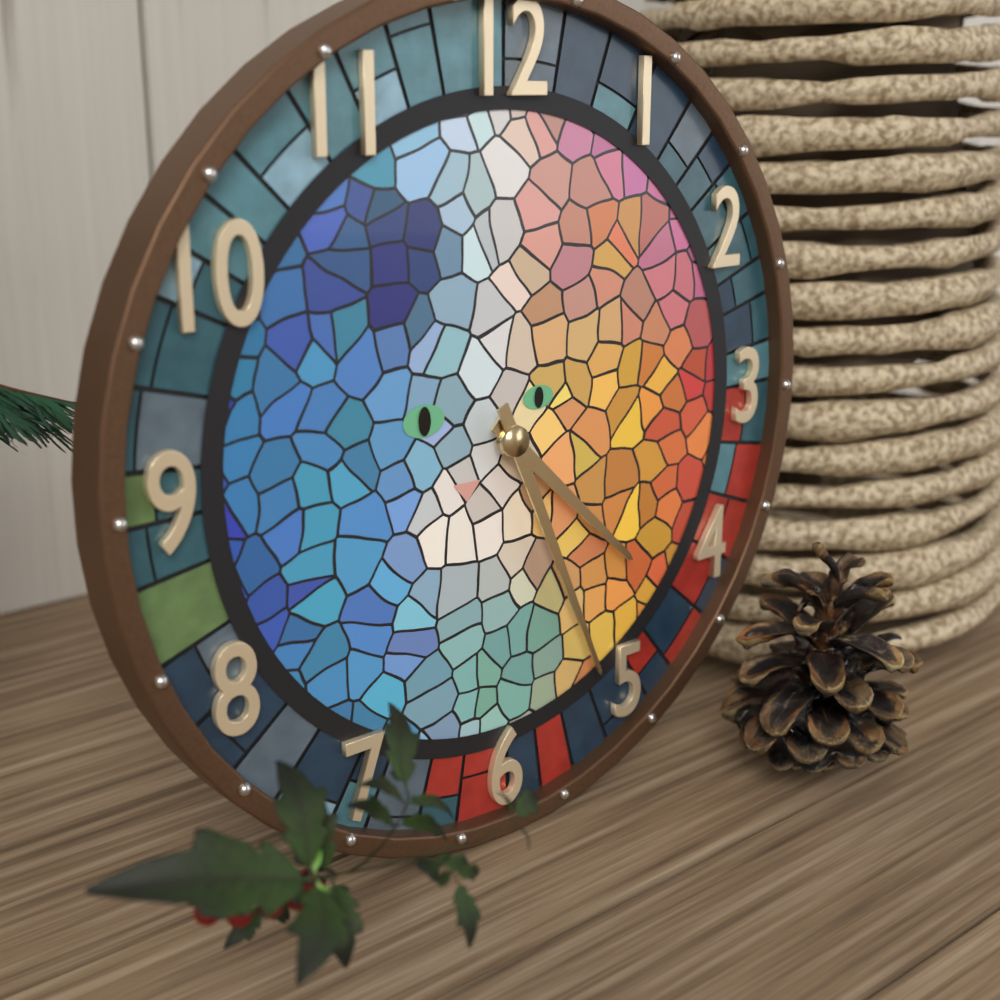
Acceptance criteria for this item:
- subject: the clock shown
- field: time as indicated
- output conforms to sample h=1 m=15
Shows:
h=4 m=26
